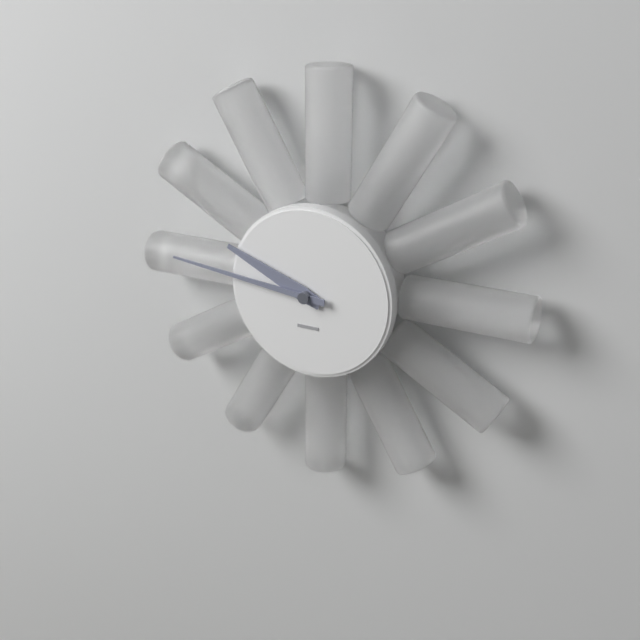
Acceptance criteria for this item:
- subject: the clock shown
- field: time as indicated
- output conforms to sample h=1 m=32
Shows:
h=9 m=46
